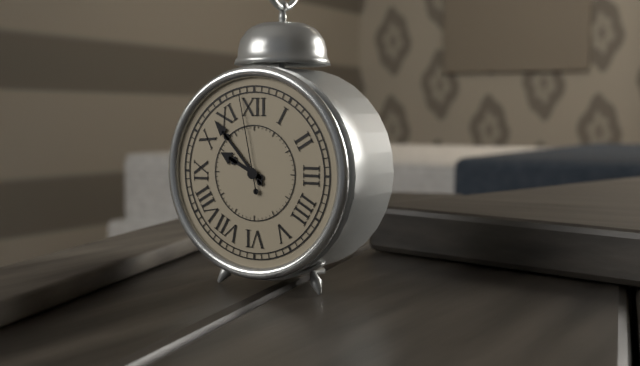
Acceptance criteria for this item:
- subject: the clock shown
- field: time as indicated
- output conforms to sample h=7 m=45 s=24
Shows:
h=9 m=53 s=58
